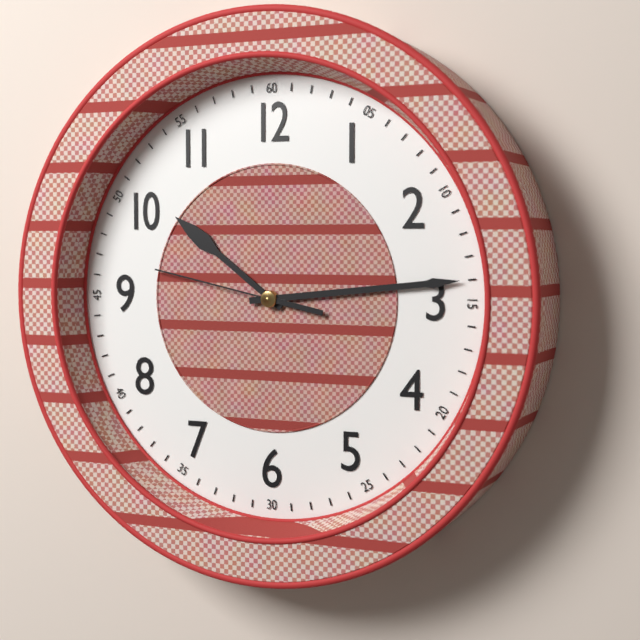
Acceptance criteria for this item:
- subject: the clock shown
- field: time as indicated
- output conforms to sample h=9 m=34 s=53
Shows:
h=10 m=14 s=47
